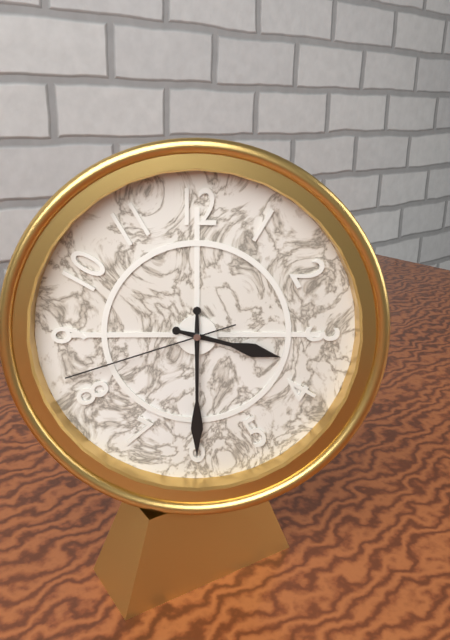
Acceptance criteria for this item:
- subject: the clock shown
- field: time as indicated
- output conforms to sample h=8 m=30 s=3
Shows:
h=3 m=30 s=42
